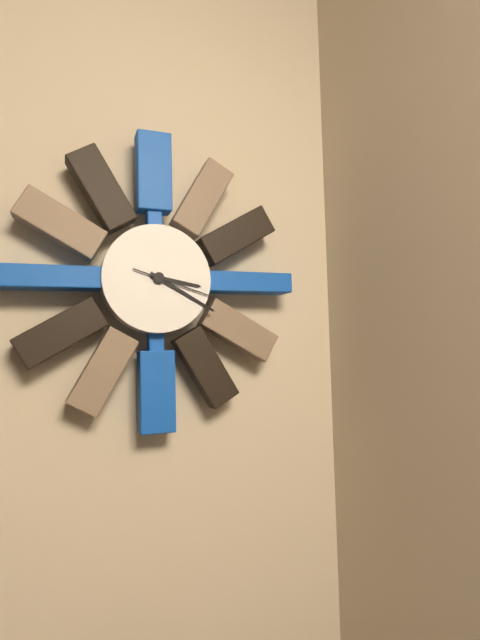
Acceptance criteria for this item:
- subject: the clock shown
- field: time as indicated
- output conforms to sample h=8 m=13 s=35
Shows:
h=3 m=20 s=18
